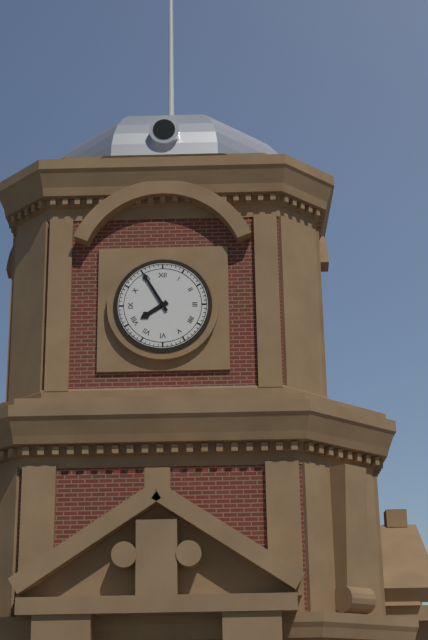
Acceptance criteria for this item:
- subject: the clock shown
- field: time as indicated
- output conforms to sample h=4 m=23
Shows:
h=7 m=55
